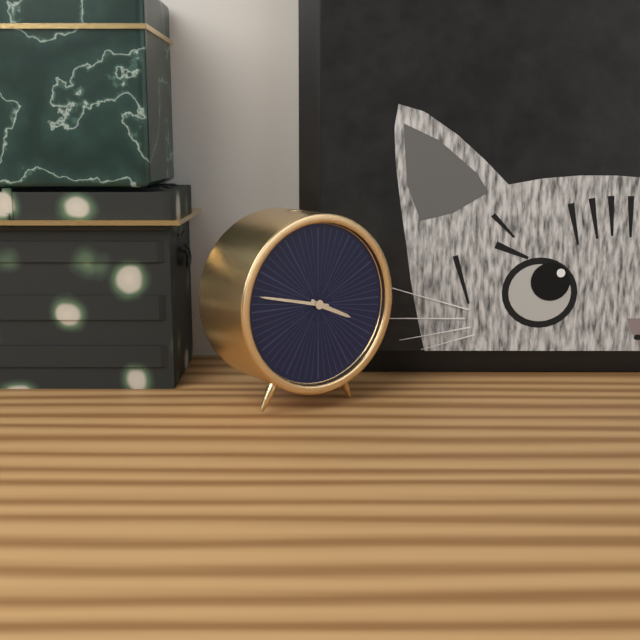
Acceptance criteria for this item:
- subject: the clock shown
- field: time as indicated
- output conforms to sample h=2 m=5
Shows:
h=3 m=47
